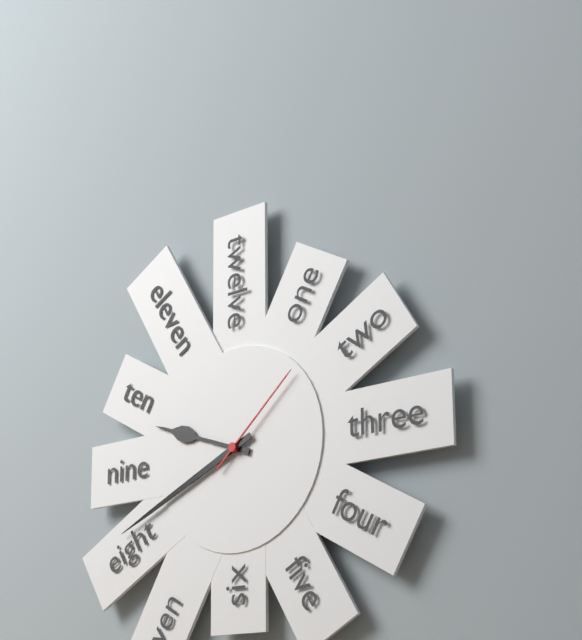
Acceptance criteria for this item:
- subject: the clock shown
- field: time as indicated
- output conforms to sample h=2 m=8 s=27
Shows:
h=9 m=41 s=8
